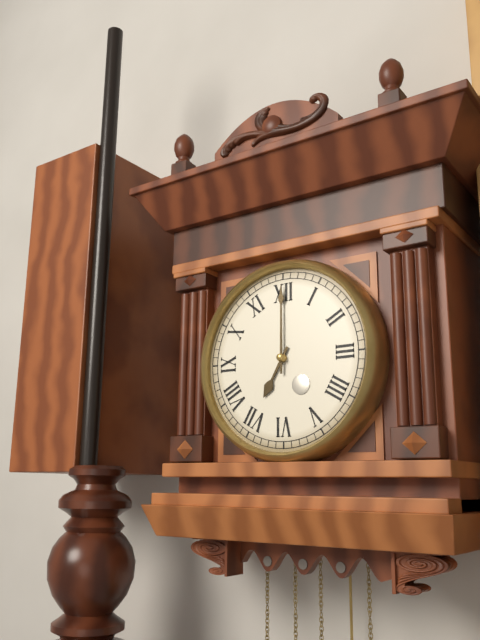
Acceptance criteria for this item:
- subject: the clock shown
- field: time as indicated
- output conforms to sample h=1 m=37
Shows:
h=7 m=0
